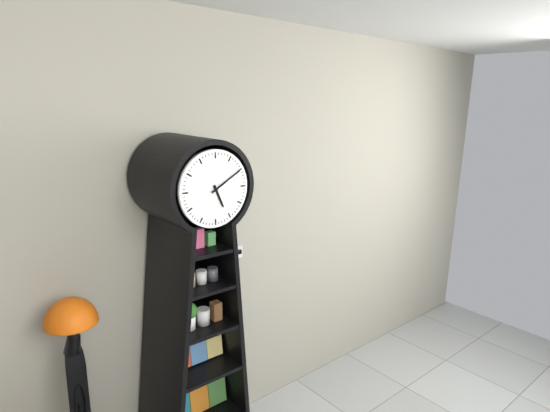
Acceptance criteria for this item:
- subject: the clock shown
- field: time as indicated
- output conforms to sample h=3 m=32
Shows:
h=5 m=10
